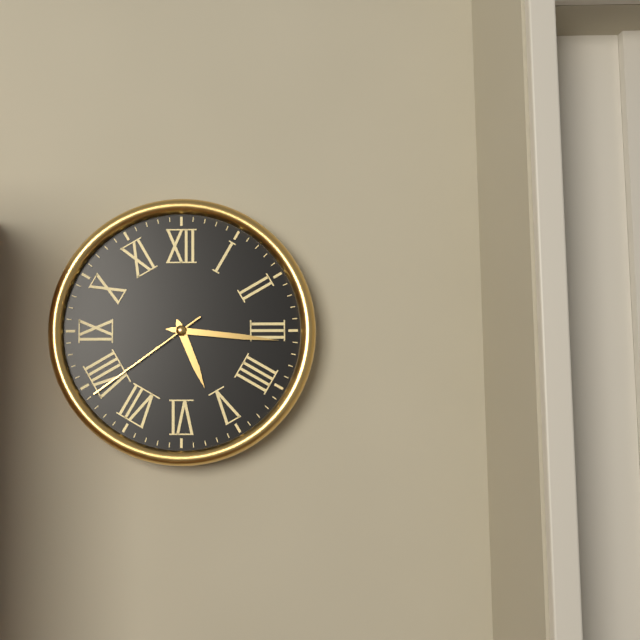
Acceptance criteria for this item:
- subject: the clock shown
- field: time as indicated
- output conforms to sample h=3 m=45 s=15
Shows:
h=5 m=16 s=39
